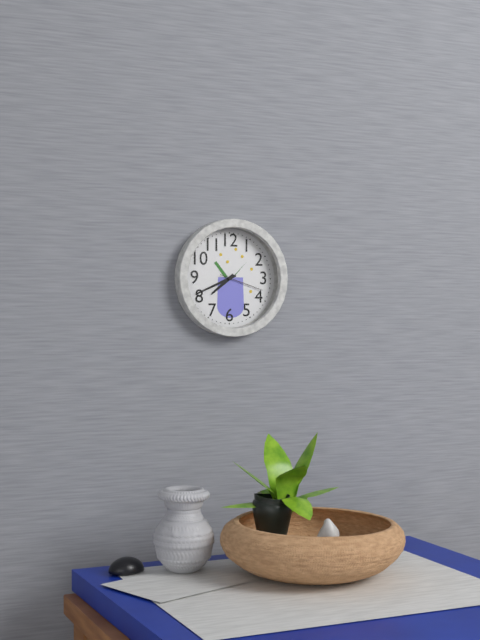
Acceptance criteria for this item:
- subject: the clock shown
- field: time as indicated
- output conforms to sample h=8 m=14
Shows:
h=7 m=41
